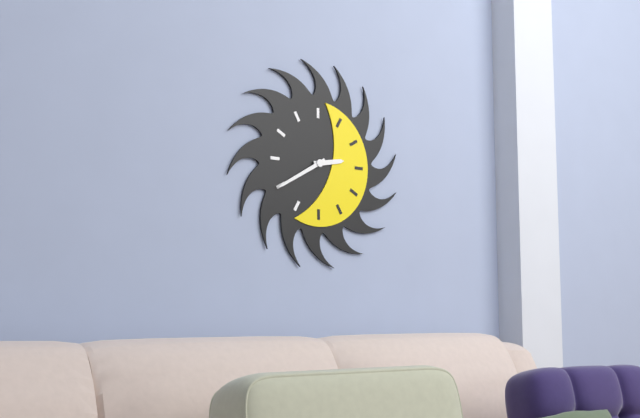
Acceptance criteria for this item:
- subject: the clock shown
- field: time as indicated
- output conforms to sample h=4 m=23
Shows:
h=2 m=40
